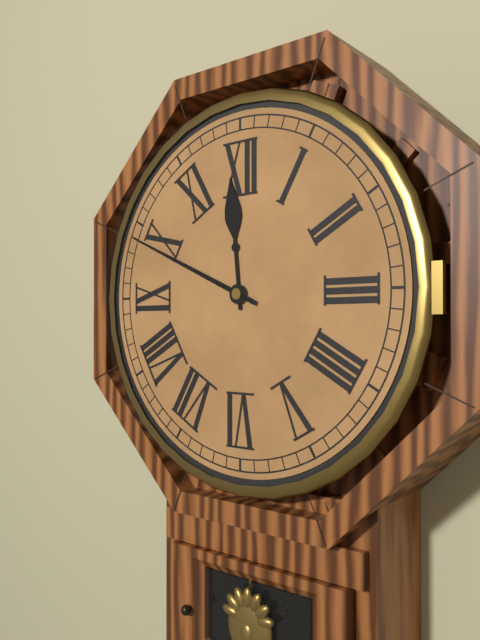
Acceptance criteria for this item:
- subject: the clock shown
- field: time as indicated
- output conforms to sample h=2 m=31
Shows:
h=11 m=49
